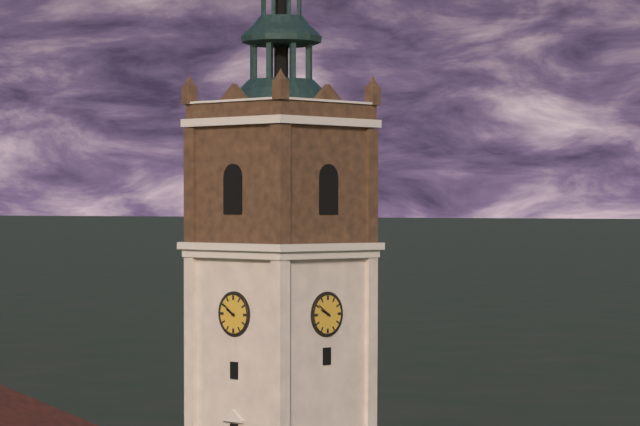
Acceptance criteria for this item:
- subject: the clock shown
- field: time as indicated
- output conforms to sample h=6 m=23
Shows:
h=9 m=51
